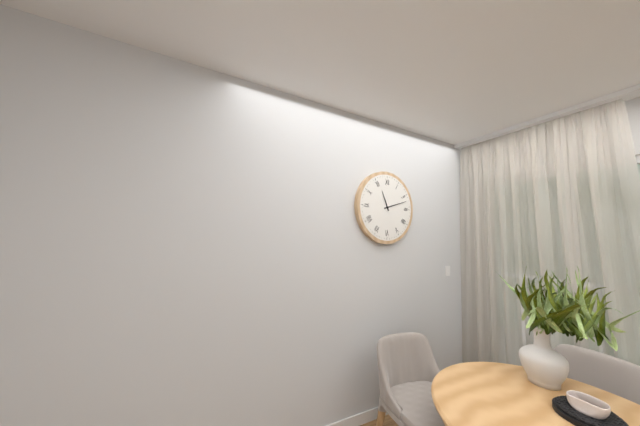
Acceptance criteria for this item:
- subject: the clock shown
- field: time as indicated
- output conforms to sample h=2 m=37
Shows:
h=11 m=12
